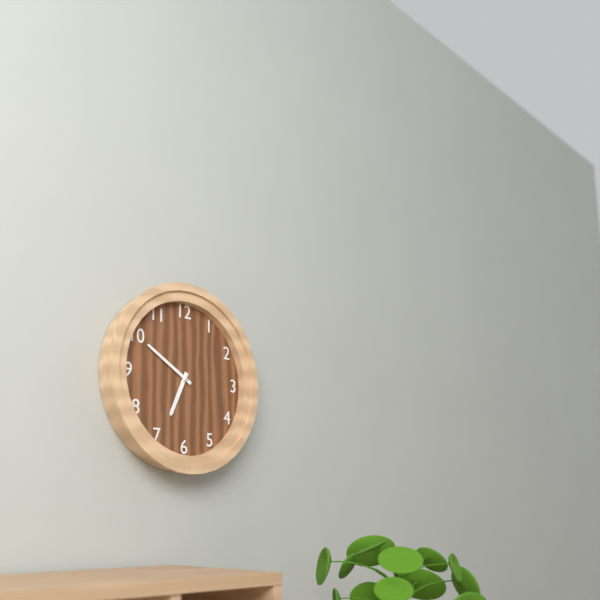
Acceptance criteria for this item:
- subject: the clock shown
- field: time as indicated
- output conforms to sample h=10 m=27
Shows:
h=6 m=50
